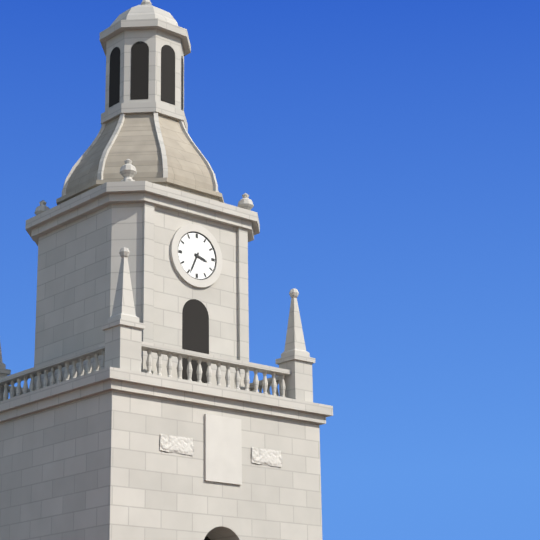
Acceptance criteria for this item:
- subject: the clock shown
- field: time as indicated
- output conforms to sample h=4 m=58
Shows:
h=3 m=34
